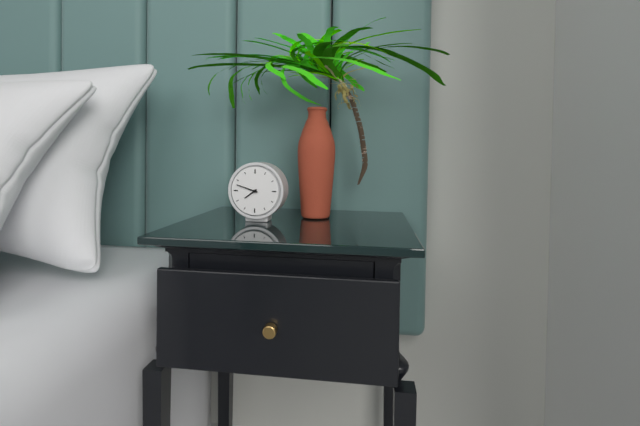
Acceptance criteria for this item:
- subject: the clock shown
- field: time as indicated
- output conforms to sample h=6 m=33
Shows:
h=7 m=48
